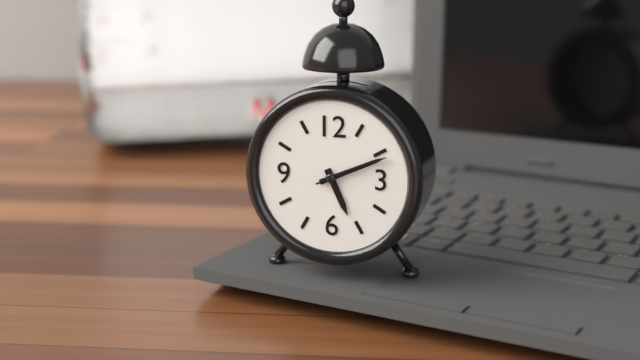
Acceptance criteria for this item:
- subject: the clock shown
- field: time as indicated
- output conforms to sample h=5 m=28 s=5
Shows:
h=5 m=11 s=11
